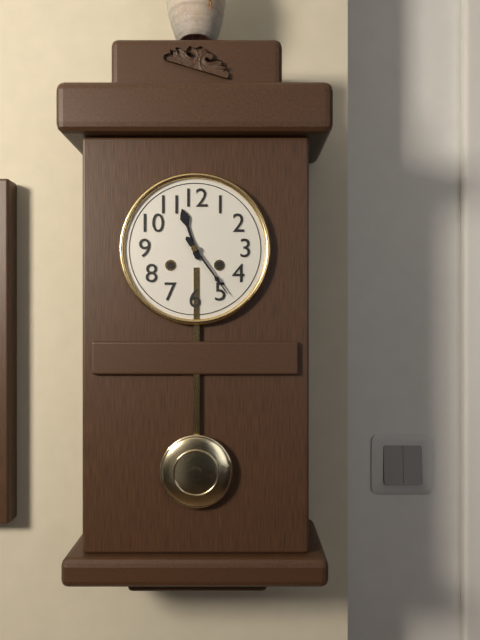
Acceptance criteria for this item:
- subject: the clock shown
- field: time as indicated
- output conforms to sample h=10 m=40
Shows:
h=11 m=24
